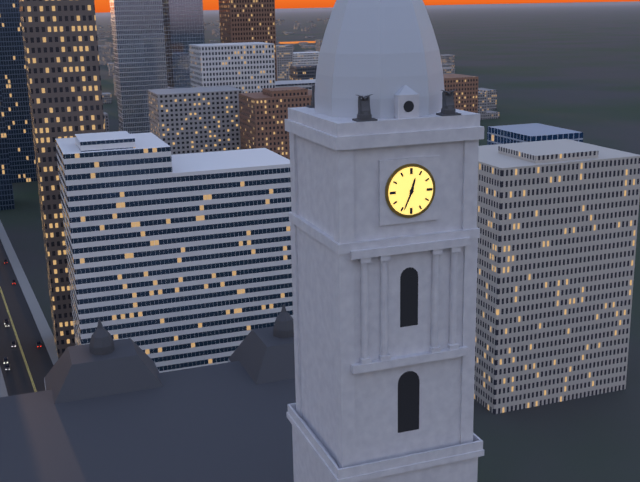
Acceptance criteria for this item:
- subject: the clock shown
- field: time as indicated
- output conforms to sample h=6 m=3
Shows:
h=12 m=34
